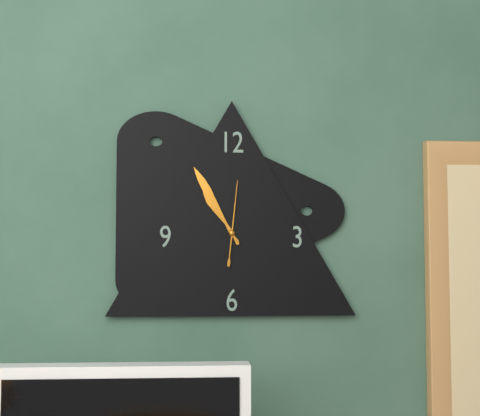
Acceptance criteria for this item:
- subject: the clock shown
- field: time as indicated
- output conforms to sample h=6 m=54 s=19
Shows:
h=10 m=55 s=1
